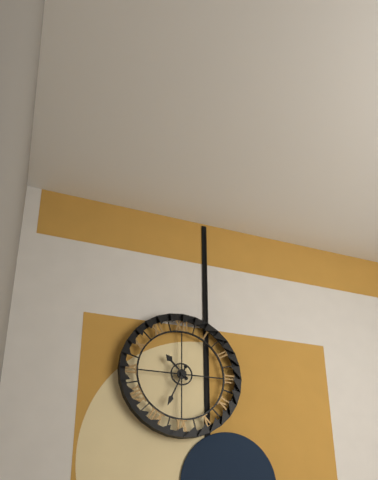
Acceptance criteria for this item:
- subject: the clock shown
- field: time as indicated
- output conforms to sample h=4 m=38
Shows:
h=10 m=34
